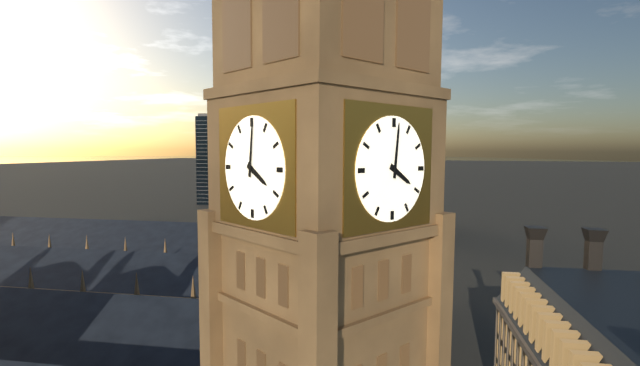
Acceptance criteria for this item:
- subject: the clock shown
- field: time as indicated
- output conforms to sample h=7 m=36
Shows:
h=4 m=1
